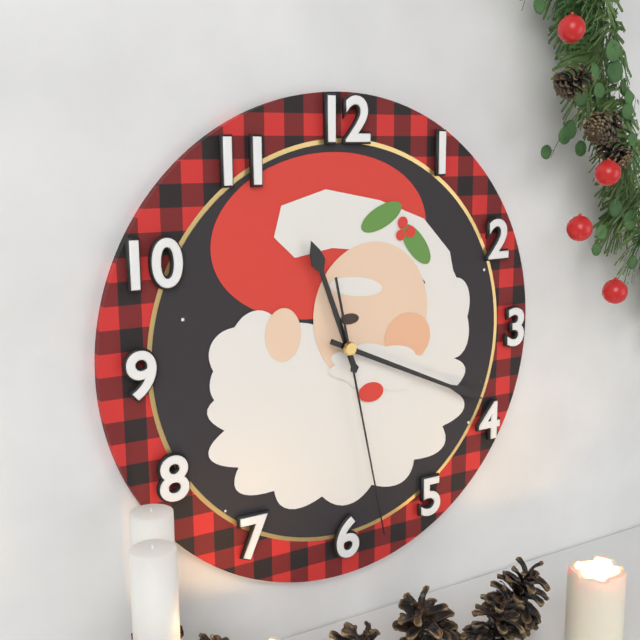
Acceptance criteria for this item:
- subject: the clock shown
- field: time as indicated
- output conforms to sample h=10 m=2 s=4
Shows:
h=11 m=19 s=28
